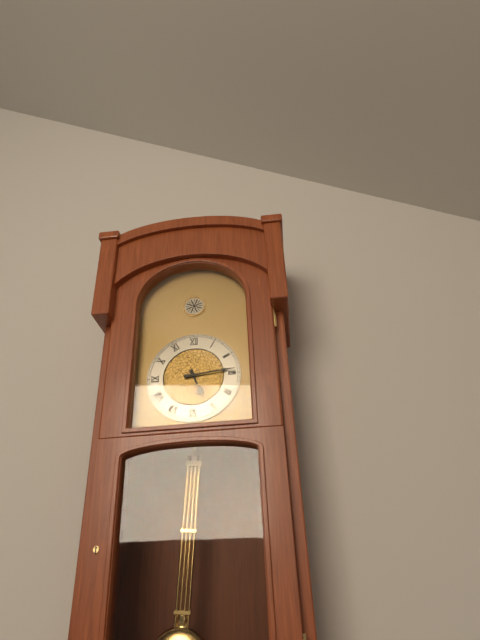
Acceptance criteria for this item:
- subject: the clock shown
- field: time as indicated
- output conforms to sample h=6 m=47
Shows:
h=5 m=14
